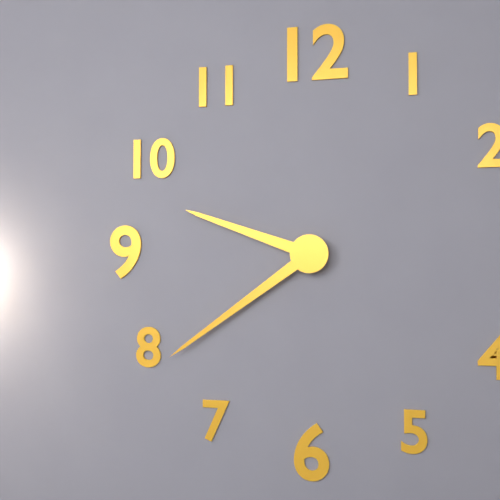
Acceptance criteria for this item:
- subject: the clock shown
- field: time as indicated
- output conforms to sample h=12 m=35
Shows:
h=9 m=39
